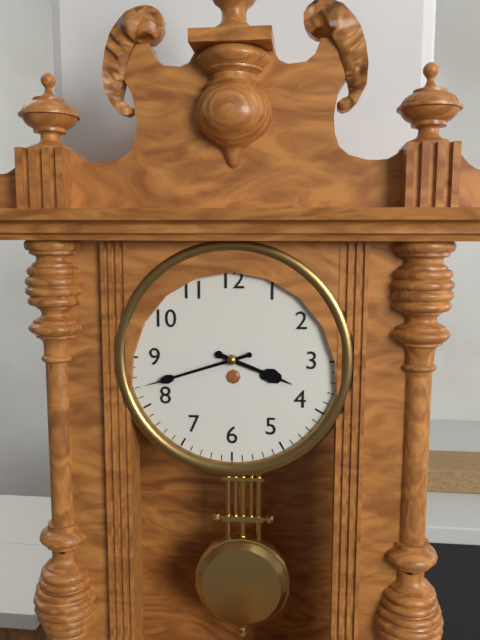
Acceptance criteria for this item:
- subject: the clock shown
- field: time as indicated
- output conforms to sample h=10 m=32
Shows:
h=3 m=42
